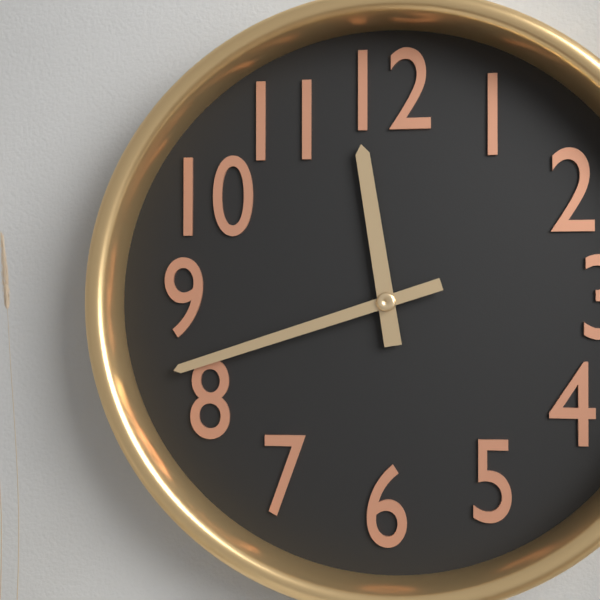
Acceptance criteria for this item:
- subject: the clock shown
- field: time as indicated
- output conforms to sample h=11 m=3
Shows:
h=11 m=42
